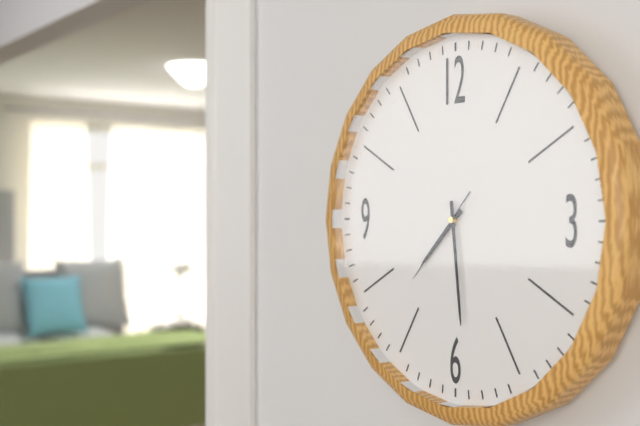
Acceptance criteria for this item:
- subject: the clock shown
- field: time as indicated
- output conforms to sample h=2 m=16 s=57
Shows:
h=7 m=29 s=37
